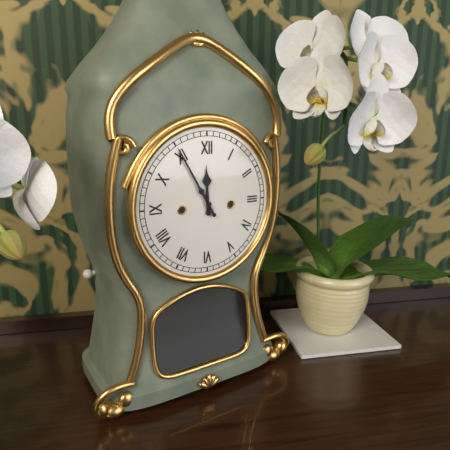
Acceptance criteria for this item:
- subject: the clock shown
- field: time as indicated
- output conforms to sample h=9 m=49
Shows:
h=11 m=55
